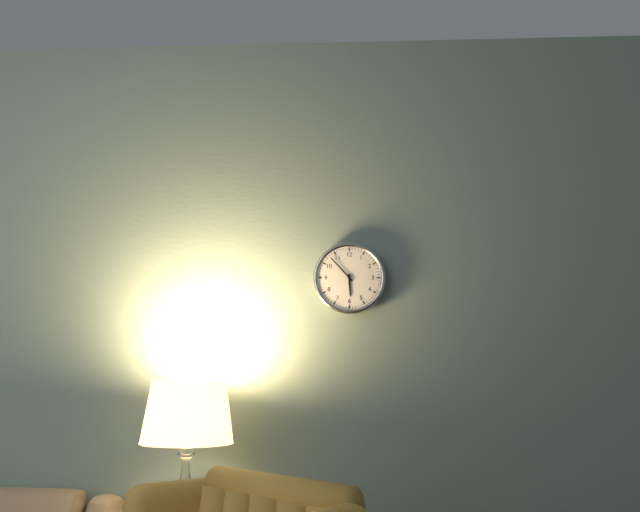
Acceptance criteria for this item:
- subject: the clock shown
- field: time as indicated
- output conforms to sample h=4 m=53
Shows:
h=5 m=53
